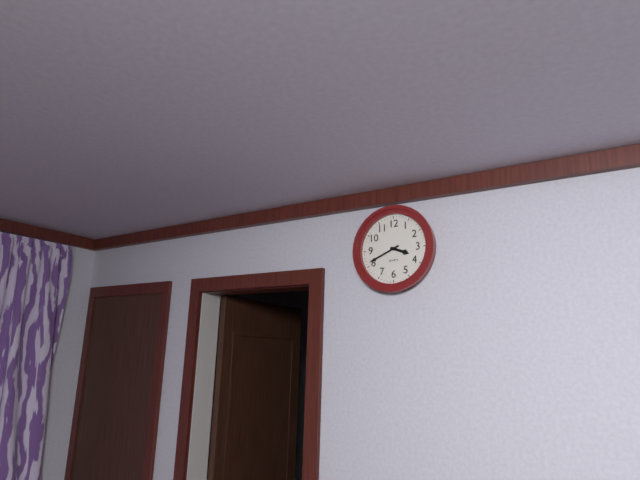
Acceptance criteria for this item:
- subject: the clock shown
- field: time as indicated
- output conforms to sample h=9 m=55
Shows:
h=3 m=41
